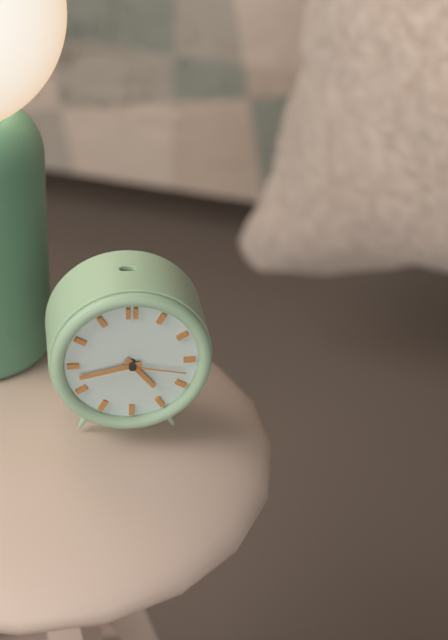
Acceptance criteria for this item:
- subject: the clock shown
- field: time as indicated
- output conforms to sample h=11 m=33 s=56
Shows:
h=4 m=43 s=17
